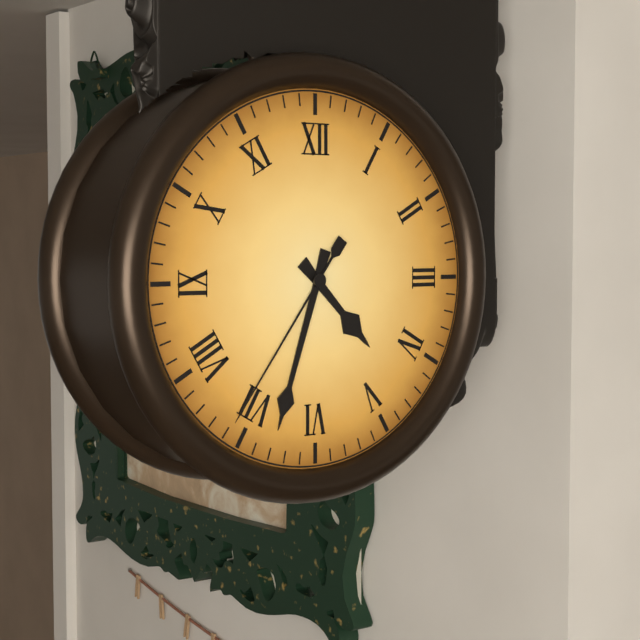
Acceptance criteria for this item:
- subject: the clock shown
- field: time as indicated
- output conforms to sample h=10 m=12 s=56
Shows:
h=4 m=33 s=36
